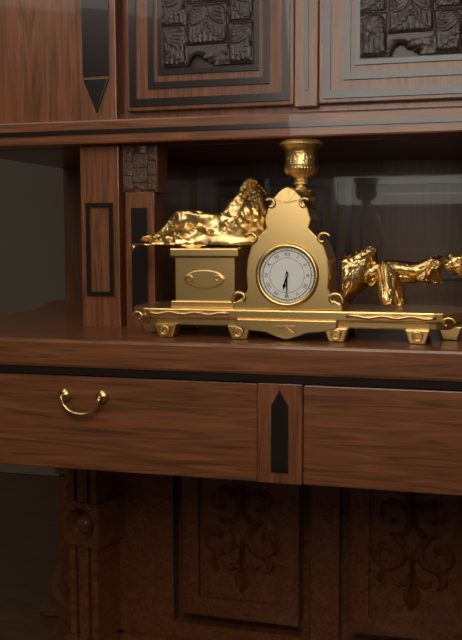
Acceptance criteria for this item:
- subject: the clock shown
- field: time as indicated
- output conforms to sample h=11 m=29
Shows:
h=6 m=30
